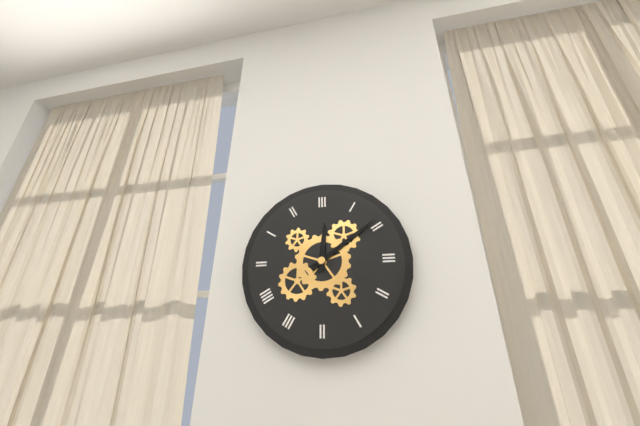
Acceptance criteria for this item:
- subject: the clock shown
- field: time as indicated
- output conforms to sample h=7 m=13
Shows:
h=12 m=9
